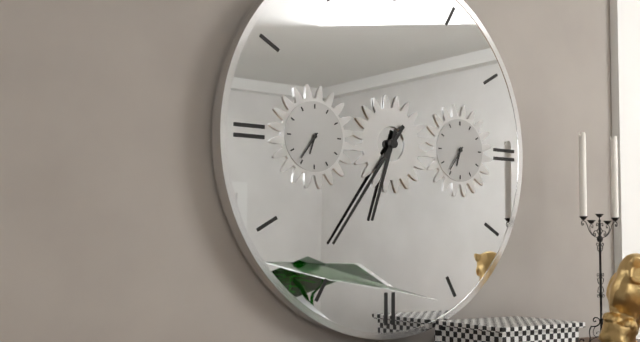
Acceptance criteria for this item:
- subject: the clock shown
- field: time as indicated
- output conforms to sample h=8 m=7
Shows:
h=6 m=36
